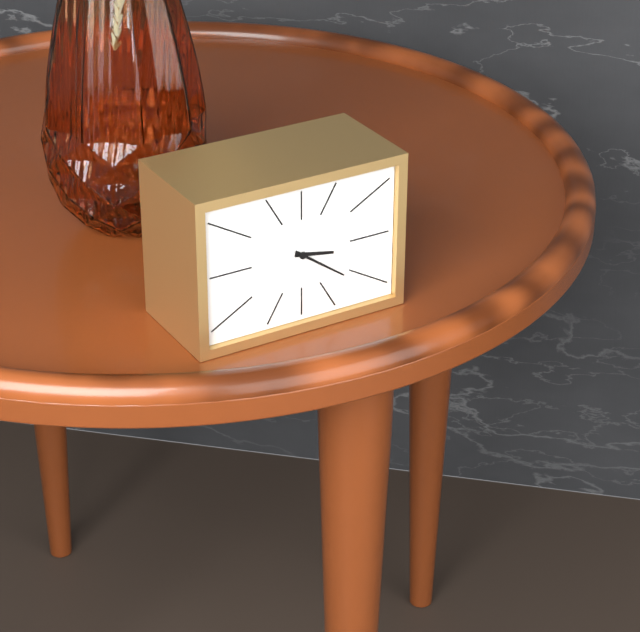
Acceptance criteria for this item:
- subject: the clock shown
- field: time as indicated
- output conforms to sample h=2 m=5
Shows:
h=3 m=21
